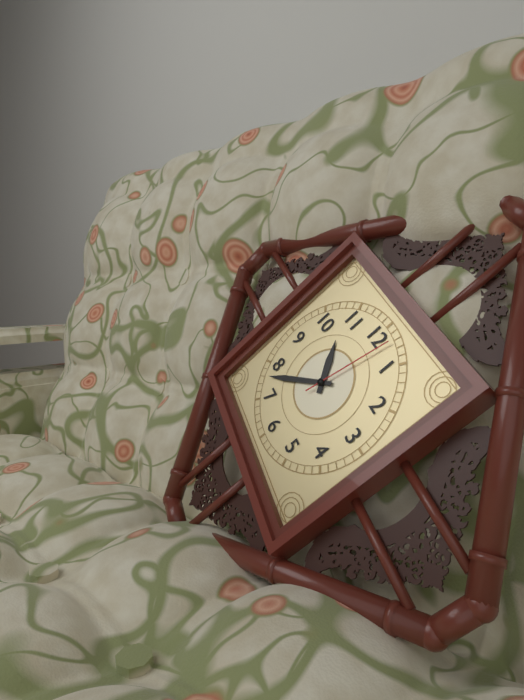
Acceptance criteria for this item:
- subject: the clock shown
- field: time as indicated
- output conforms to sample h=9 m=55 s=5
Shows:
h=10 m=38 s=2
